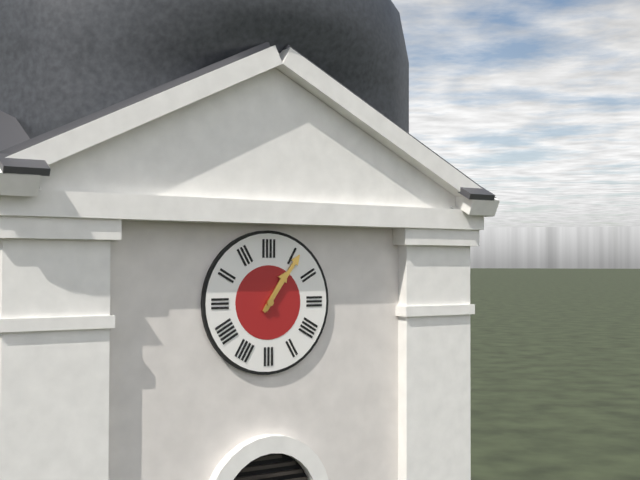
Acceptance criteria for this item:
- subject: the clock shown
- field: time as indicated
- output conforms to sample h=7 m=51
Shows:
h=1 m=6
